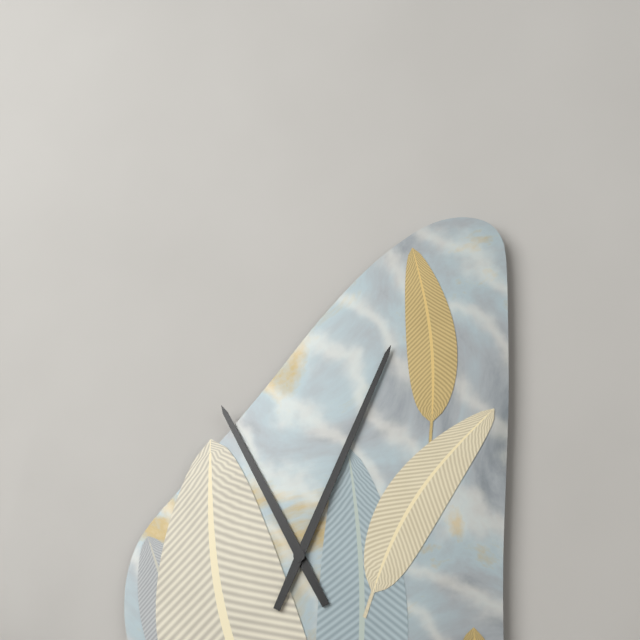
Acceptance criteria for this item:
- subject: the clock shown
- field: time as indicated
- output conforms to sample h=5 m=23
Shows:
h=11 m=4
